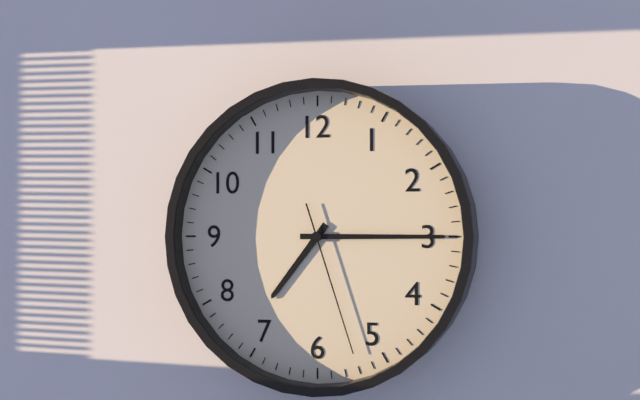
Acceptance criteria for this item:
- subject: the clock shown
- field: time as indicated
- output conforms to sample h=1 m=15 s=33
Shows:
h=7 m=15 s=27
